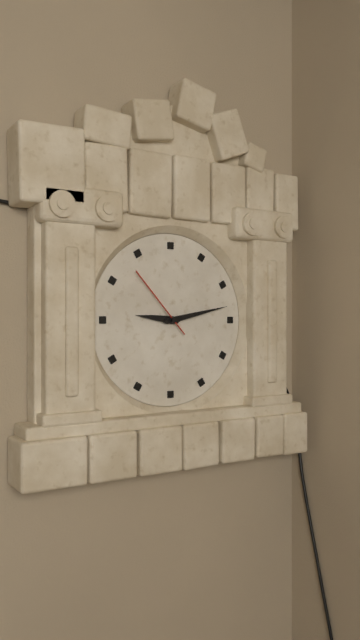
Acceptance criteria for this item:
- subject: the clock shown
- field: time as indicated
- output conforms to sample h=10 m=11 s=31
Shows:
h=9 m=13 s=53
